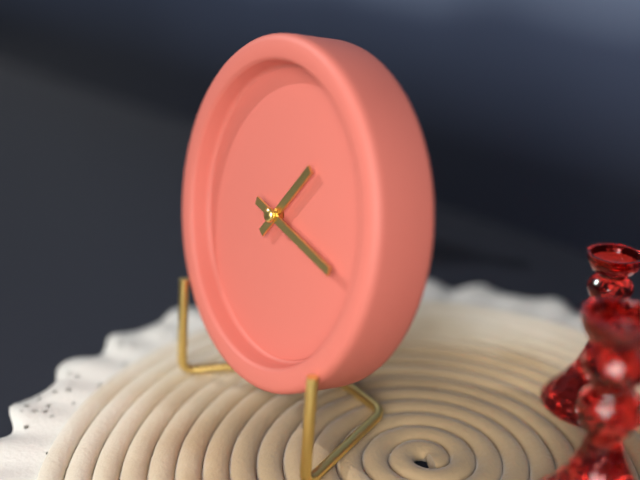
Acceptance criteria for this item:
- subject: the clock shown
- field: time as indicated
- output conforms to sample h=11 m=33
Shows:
h=1 m=17
